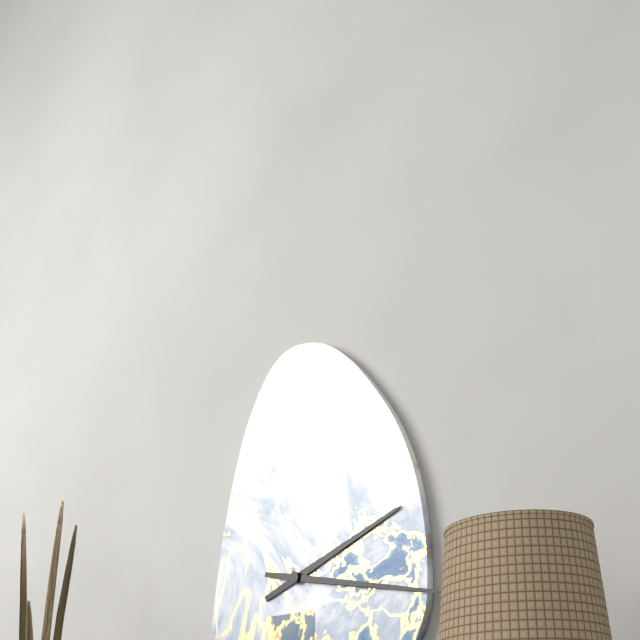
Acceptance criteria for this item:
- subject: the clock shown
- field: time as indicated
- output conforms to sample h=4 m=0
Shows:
h=2 m=17
